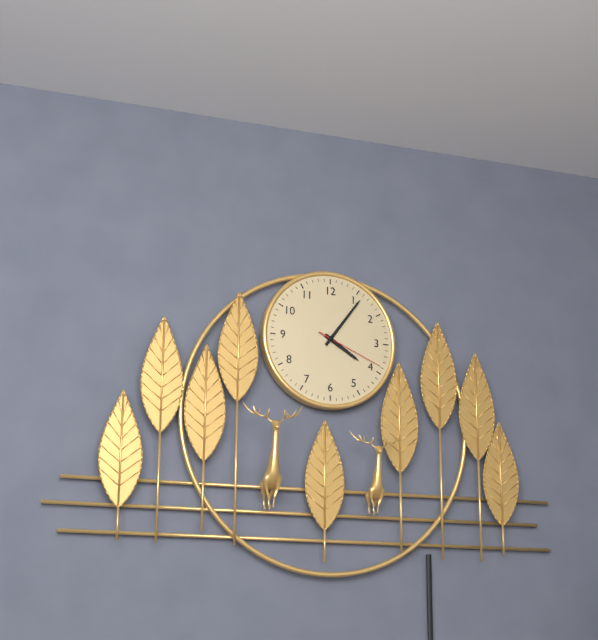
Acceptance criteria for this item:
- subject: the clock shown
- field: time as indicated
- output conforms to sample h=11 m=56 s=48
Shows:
h=4 m=6 s=19
